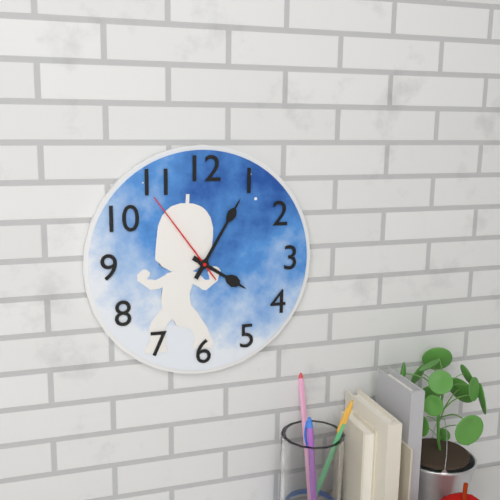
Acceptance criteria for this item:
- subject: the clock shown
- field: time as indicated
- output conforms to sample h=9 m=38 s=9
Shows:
h=4 m=5 s=54
